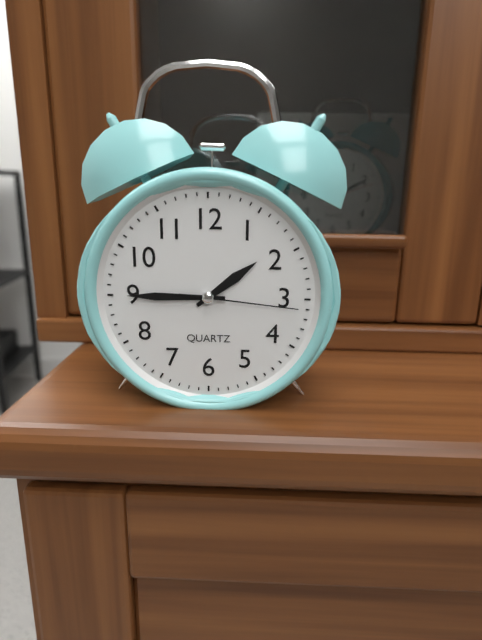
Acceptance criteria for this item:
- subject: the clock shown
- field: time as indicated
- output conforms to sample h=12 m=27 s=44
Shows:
h=1 m=45 s=16
